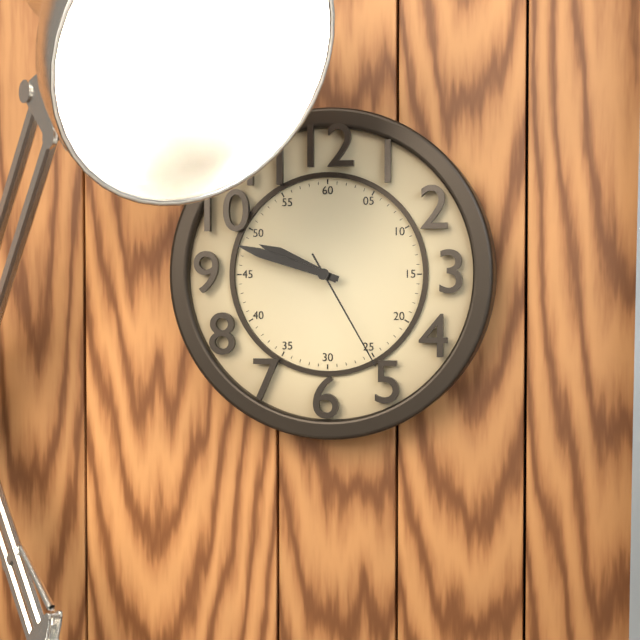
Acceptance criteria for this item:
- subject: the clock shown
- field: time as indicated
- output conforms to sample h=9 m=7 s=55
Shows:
h=9 m=48 s=25
